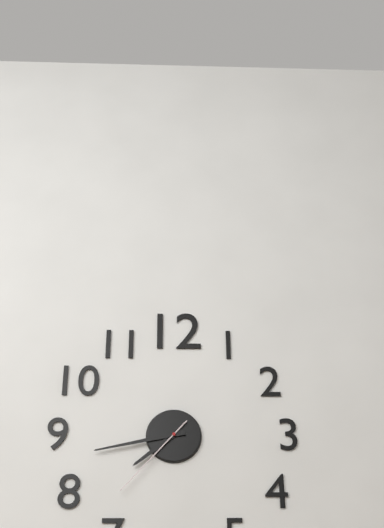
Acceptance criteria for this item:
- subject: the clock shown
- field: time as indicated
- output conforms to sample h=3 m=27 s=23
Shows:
h=7 m=43 s=37
